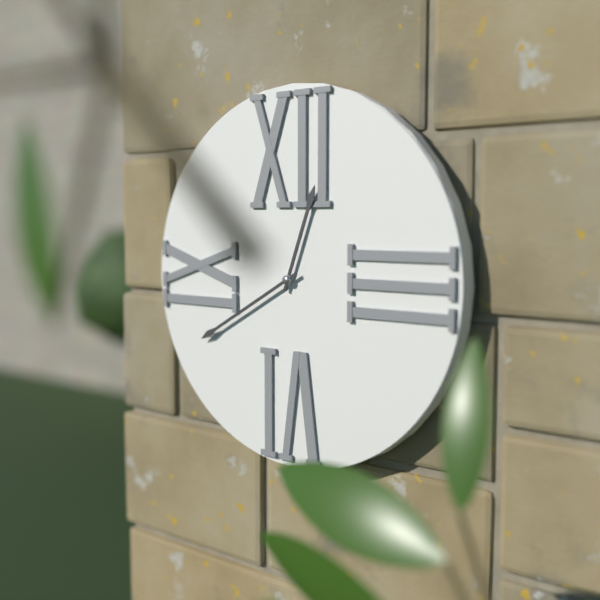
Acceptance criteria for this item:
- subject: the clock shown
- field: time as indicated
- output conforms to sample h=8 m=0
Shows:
h=12 m=40
